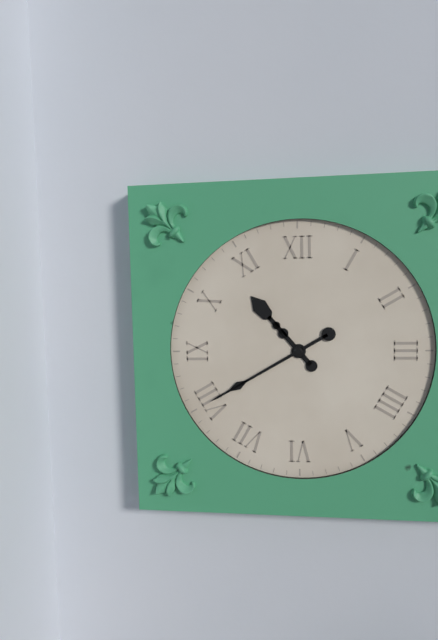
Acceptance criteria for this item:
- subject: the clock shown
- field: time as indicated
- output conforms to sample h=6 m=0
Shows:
h=10 m=40
